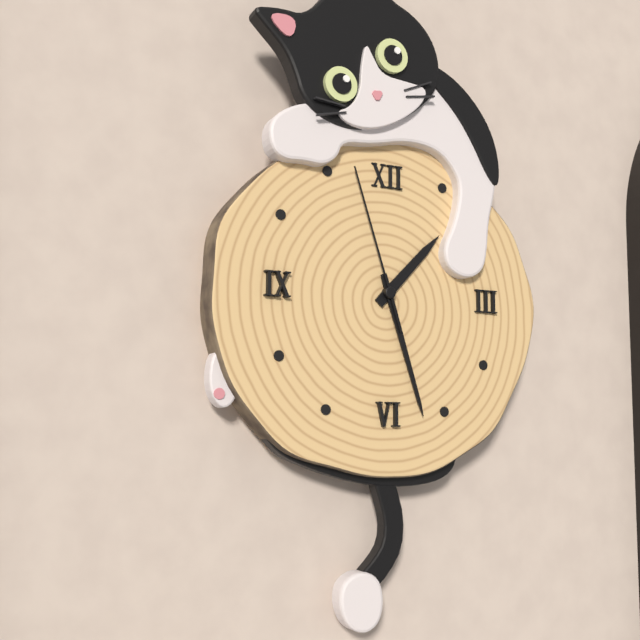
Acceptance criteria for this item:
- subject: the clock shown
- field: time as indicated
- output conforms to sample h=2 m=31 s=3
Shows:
h=1 m=27 s=57
